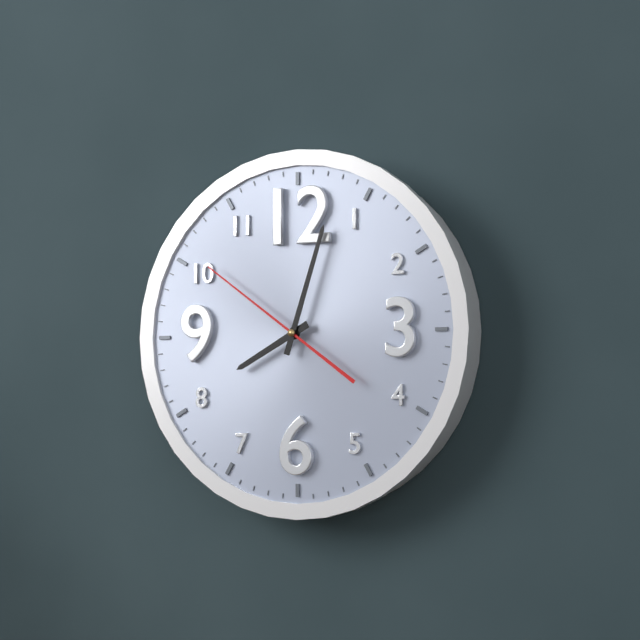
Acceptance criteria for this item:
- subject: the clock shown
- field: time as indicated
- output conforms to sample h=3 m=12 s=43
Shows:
h=8 m=3 s=51
